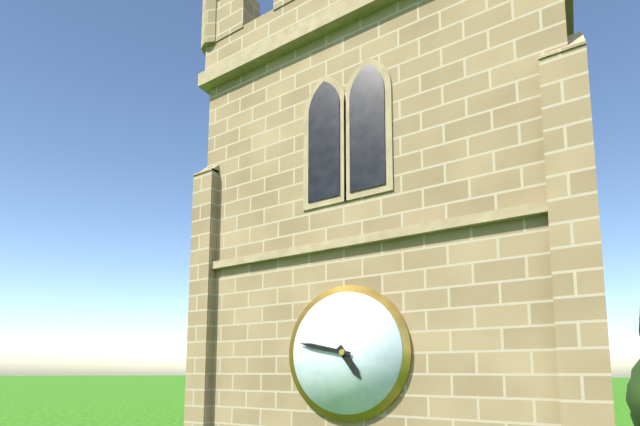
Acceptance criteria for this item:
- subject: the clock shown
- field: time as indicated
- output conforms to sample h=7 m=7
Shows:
h=4 m=47
